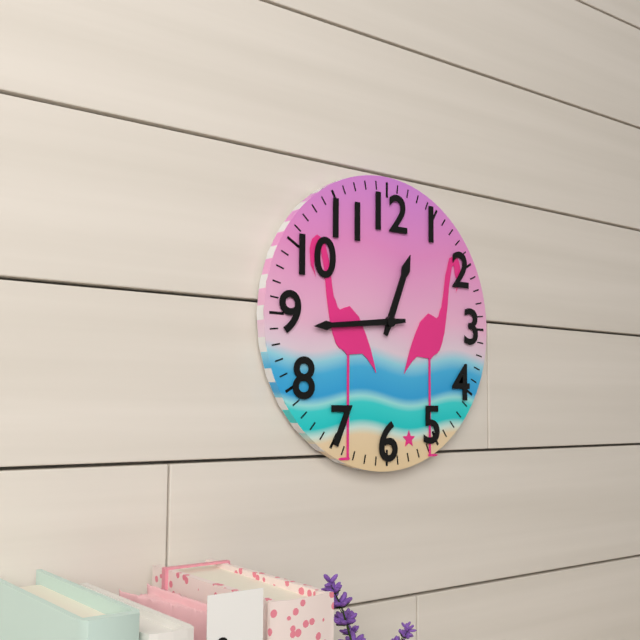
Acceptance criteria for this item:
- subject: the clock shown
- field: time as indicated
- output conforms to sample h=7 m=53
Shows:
h=12 m=44
